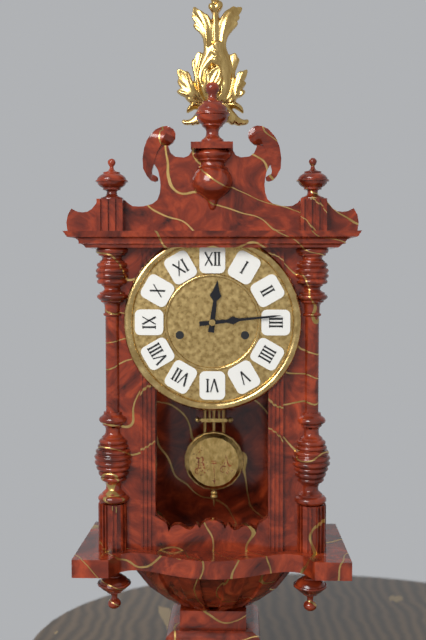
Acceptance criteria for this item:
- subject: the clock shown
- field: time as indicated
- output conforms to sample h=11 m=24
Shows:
h=12 m=14
